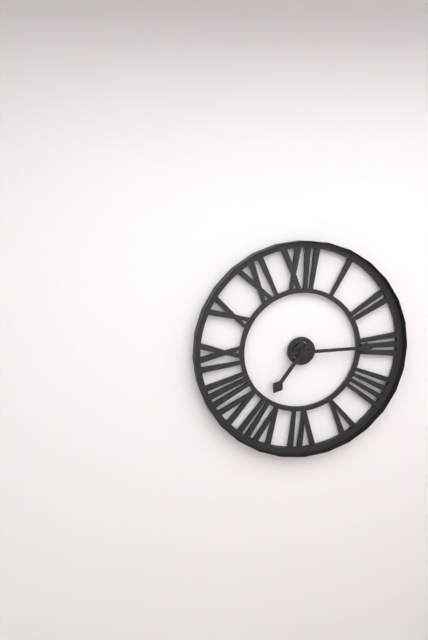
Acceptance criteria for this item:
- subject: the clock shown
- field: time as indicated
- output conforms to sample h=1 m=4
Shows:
h=7 m=15
